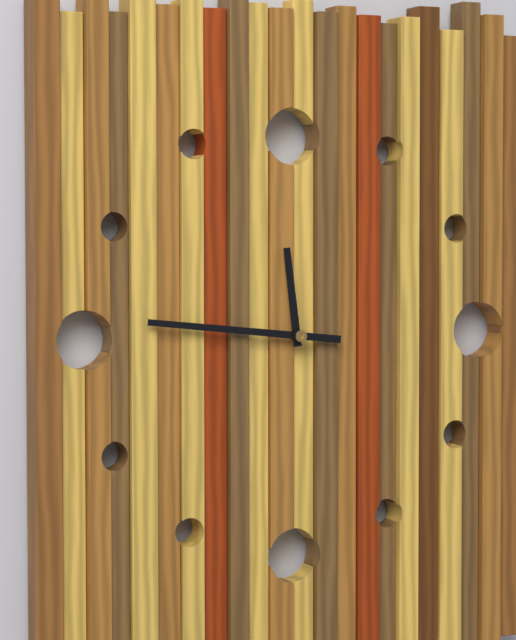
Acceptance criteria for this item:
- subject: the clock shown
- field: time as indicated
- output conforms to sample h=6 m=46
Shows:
h=11 m=46
